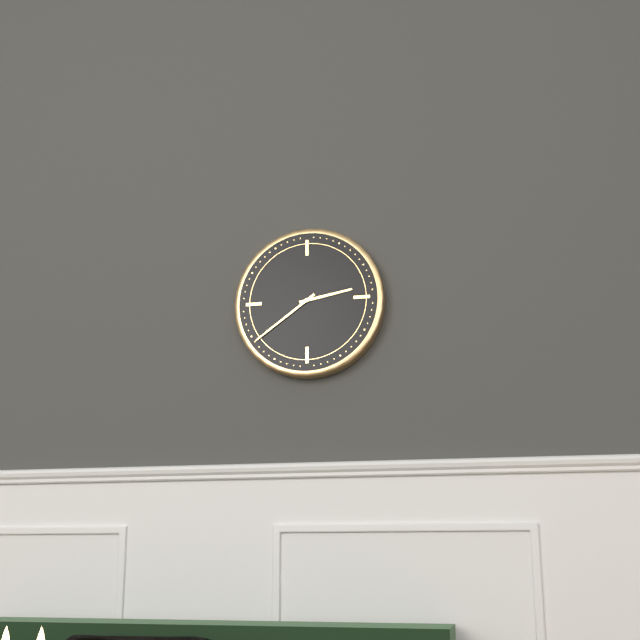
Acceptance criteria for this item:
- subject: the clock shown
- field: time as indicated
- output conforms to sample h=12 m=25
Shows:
h=2 m=39
